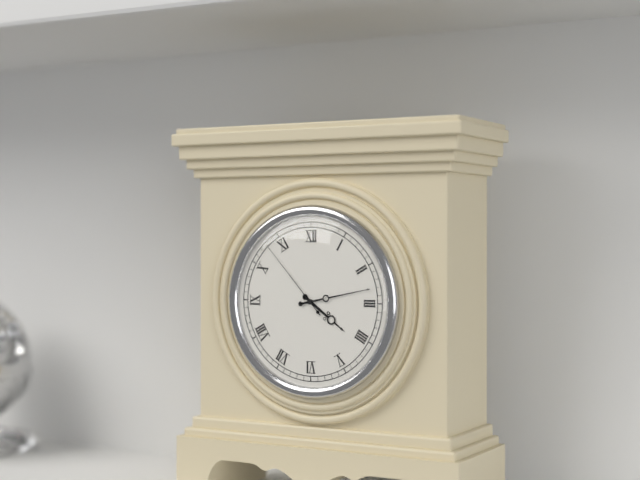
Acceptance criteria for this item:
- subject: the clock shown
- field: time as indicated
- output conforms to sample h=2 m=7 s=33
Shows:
h=4 m=13 s=53
